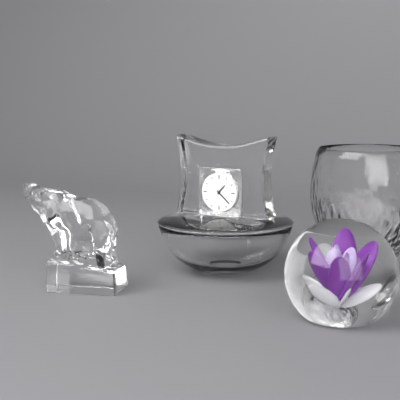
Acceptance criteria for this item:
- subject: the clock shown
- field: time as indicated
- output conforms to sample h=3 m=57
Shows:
h=1 m=22
